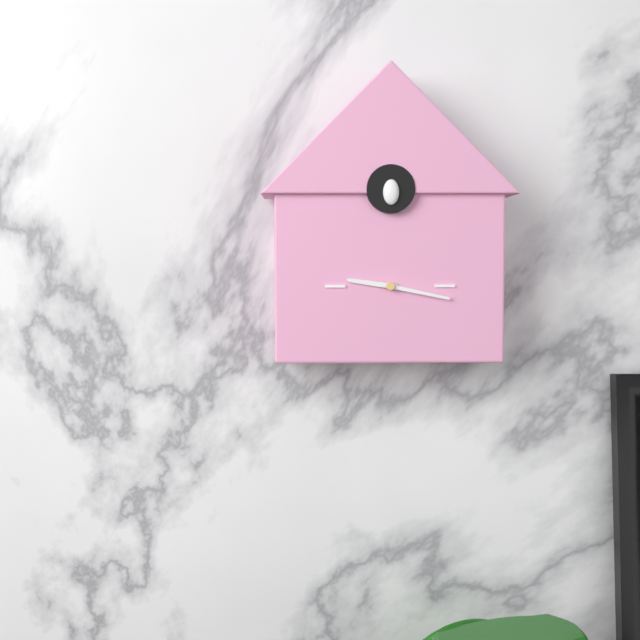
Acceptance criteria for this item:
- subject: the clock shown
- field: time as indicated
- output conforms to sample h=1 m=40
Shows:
h=9 m=17
